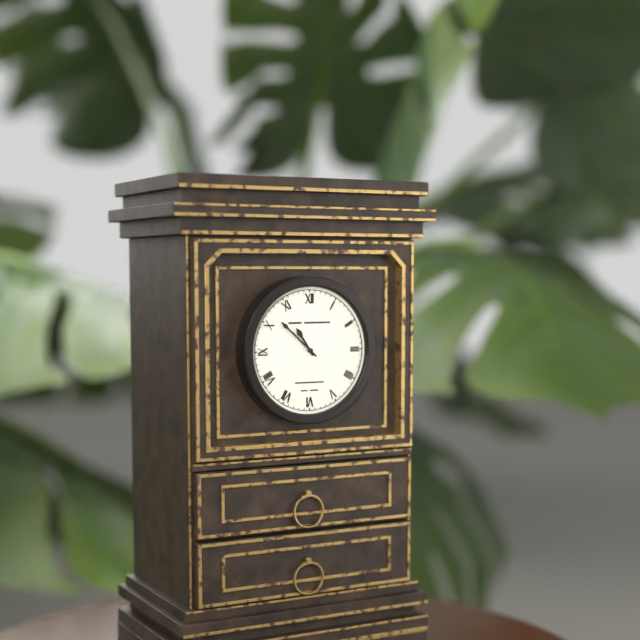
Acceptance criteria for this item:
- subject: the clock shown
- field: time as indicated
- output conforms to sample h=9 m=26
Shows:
h=10 m=52
